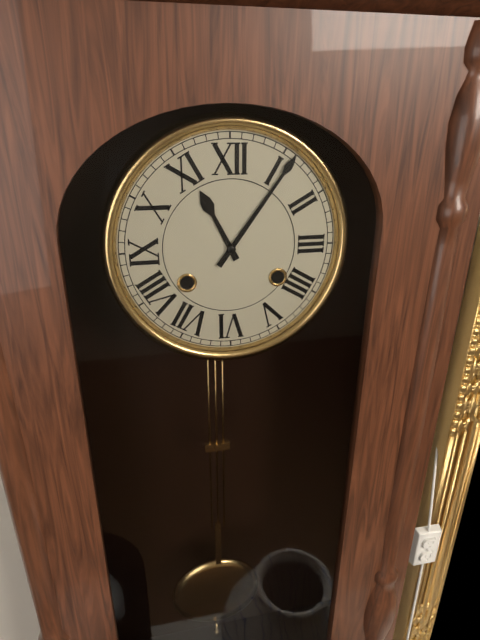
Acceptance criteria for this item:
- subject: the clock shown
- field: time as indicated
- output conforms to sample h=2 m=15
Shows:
h=11 m=6
